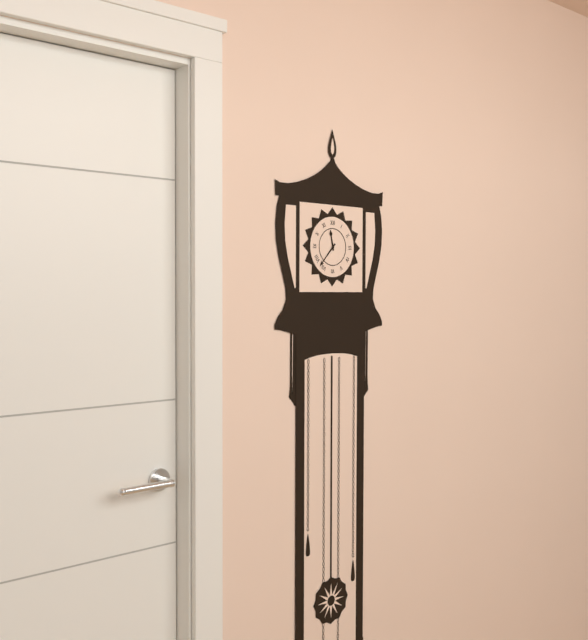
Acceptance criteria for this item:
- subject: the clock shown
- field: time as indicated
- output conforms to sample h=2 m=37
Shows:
h=11 m=37
